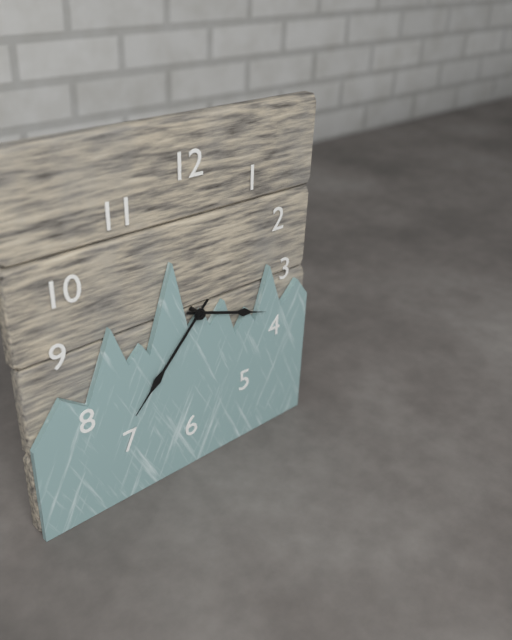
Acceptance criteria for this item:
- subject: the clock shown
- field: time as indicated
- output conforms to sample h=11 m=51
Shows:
h=3 m=37
